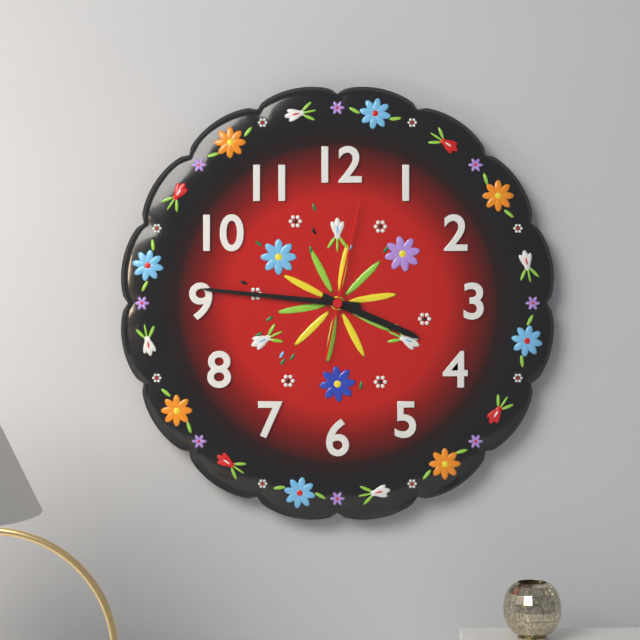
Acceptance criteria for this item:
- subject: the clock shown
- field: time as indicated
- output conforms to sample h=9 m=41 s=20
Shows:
h=3 m=46 s=2
